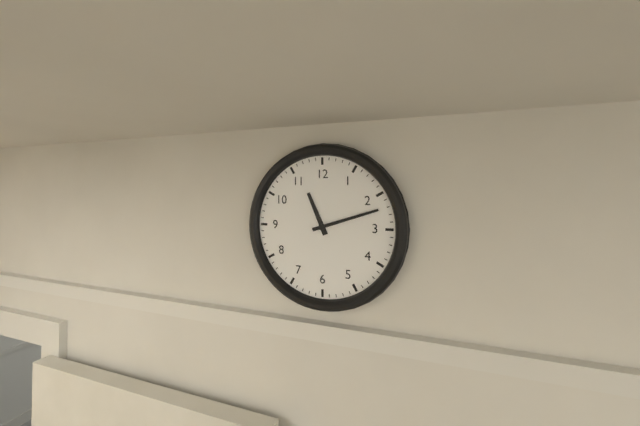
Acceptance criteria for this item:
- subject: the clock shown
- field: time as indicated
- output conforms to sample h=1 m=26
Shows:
h=11 m=12
